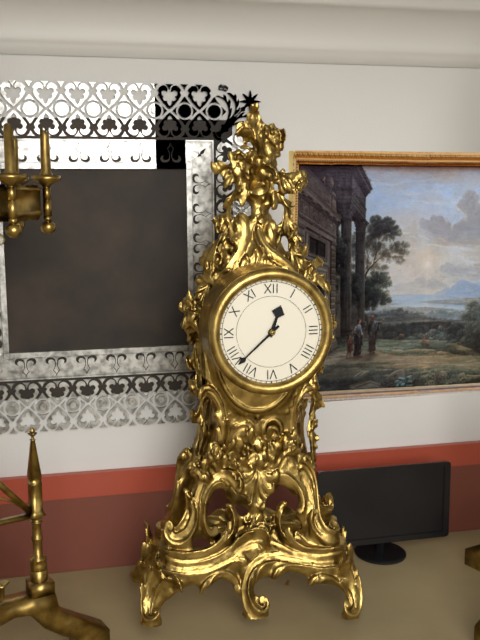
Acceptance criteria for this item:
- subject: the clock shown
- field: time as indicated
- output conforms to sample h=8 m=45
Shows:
h=12 m=38
